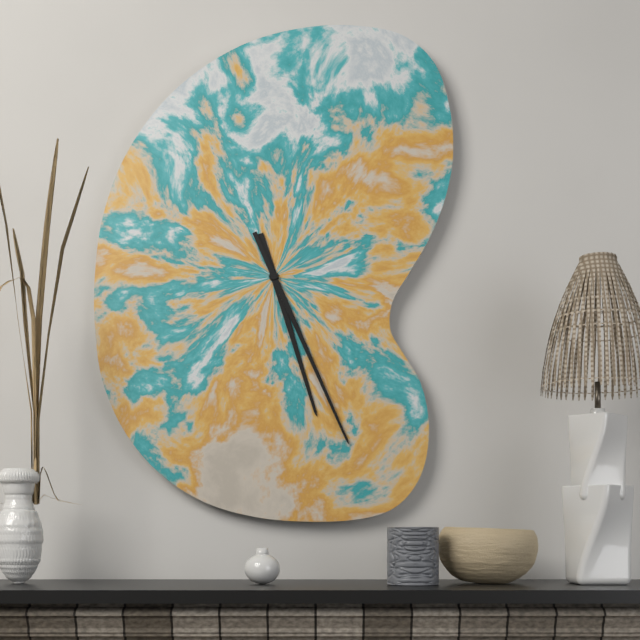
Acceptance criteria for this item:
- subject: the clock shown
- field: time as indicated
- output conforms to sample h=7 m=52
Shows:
h=5 m=26
